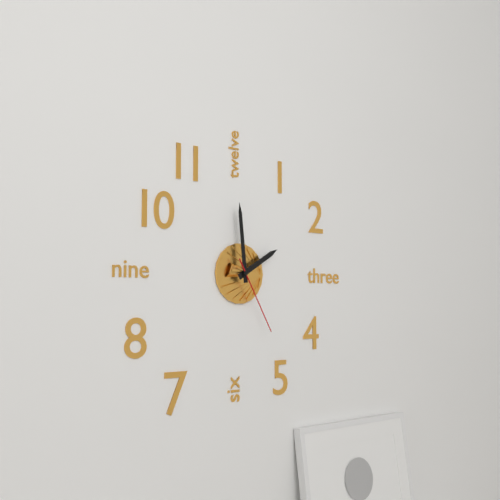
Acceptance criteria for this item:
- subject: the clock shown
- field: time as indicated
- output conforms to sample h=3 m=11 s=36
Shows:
h=1 m=59 s=25
